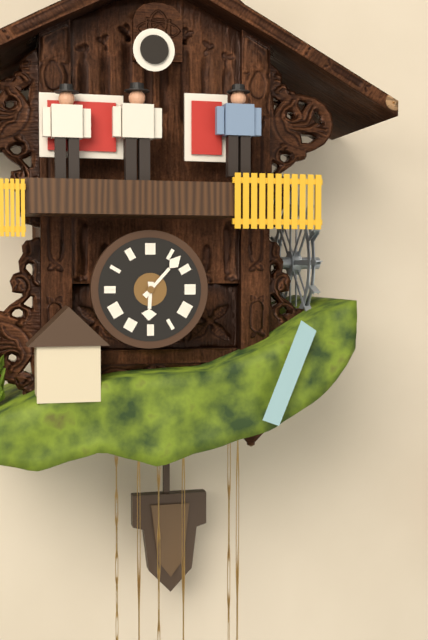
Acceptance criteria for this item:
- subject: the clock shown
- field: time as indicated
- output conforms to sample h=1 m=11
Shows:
h=6 m=7
